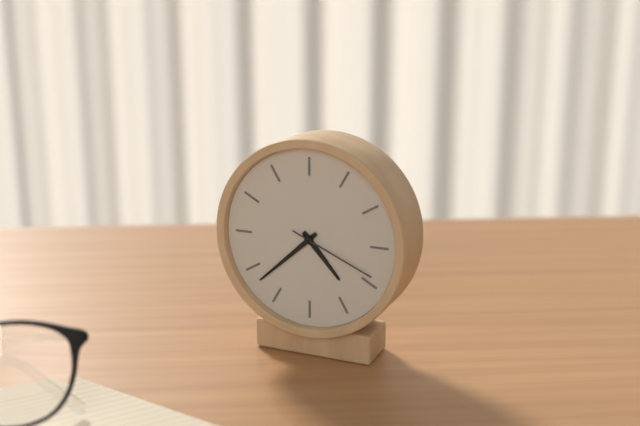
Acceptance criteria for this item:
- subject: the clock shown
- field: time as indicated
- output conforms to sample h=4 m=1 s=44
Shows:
h=4 m=38 s=19
